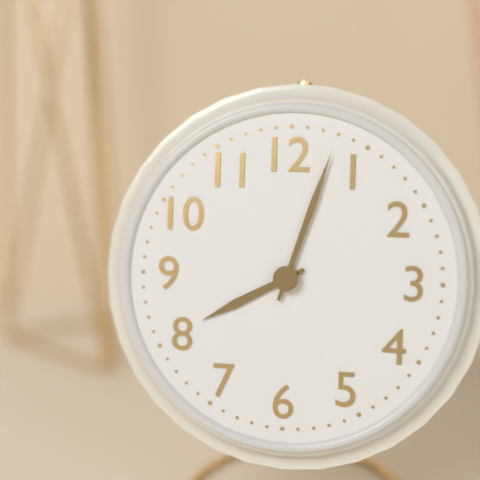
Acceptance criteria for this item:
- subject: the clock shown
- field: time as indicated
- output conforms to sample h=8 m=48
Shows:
h=8 m=3
